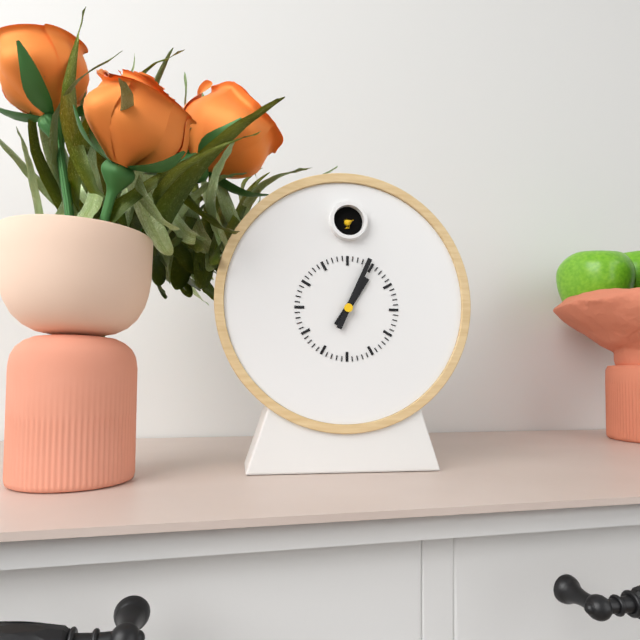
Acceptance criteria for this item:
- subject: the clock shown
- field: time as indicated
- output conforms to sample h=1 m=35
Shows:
h=1 m=4
